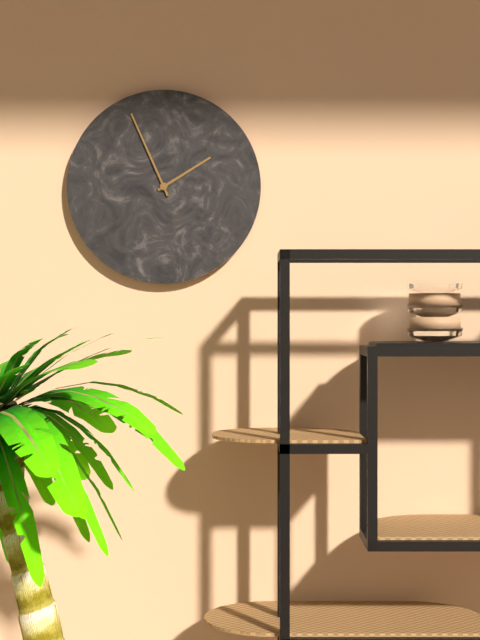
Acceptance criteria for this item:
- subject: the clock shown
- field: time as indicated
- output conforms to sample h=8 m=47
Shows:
h=1 m=56
